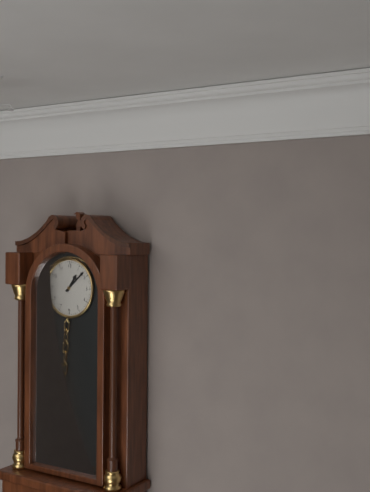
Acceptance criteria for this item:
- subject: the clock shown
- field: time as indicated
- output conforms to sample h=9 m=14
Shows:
h=1 m=8
